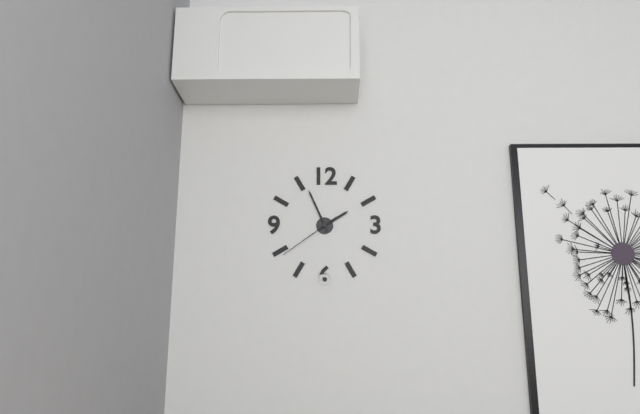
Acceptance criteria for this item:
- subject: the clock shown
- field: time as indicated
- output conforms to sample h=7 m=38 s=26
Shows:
h=1 m=56 s=39
